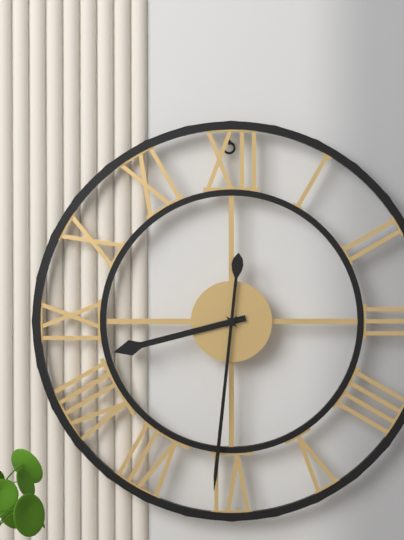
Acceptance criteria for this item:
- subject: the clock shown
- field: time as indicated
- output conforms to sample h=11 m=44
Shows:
h=8 m=31
